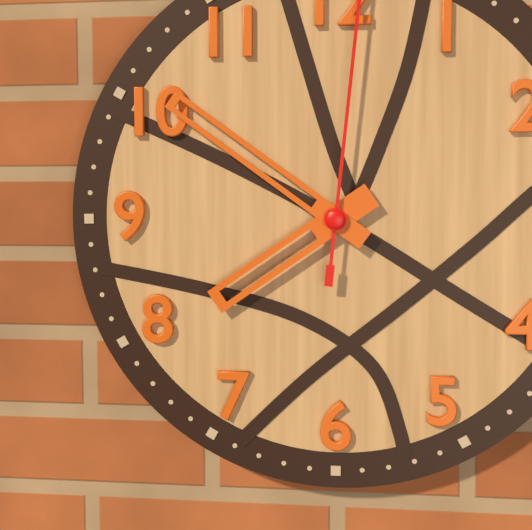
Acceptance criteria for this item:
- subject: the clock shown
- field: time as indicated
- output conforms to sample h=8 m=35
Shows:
h=7 m=51
